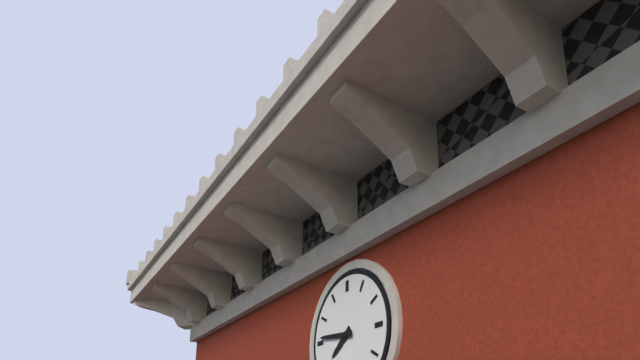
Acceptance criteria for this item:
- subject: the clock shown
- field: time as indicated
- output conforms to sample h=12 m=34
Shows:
h=7 m=46
